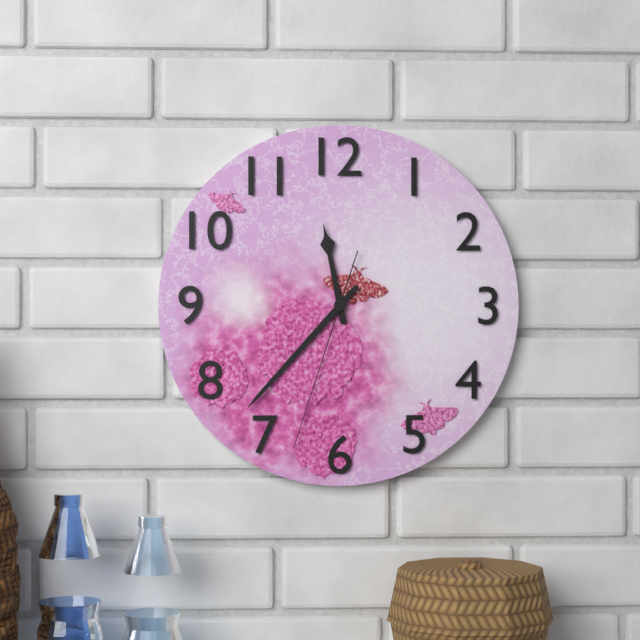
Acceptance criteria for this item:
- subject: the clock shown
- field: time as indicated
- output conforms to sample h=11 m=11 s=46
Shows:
h=11 m=37 s=33
